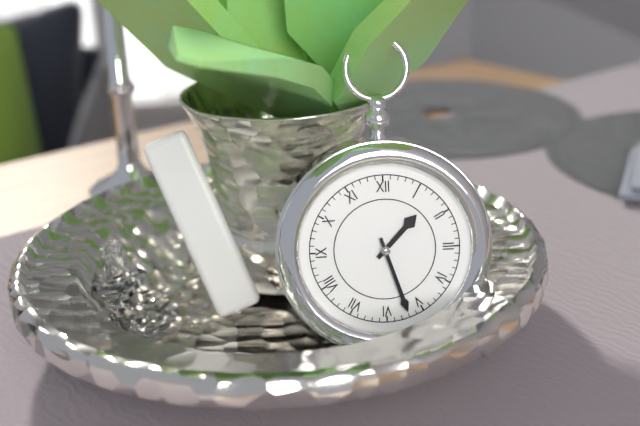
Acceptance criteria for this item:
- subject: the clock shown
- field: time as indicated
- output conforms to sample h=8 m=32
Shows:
h=1 m=27
